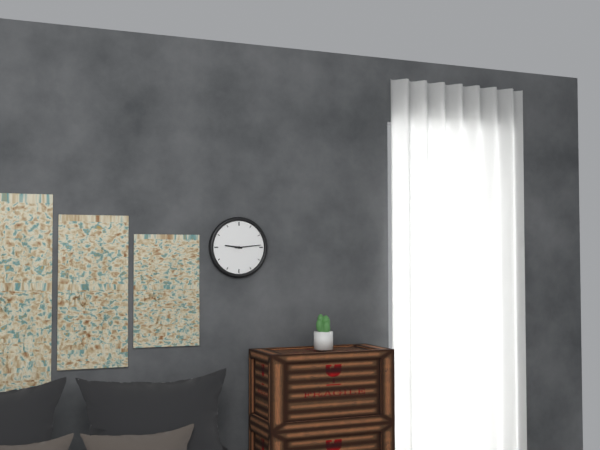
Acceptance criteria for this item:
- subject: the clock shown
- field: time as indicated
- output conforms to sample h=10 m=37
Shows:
h=9 m=14
